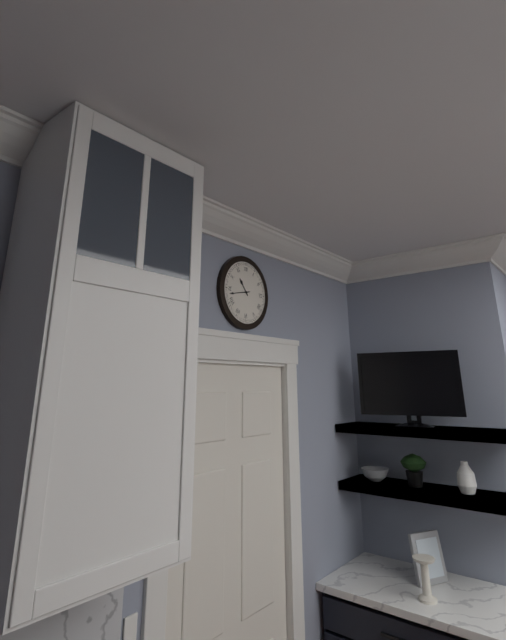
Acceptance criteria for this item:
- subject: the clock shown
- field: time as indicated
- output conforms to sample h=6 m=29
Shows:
h=10 m=43
